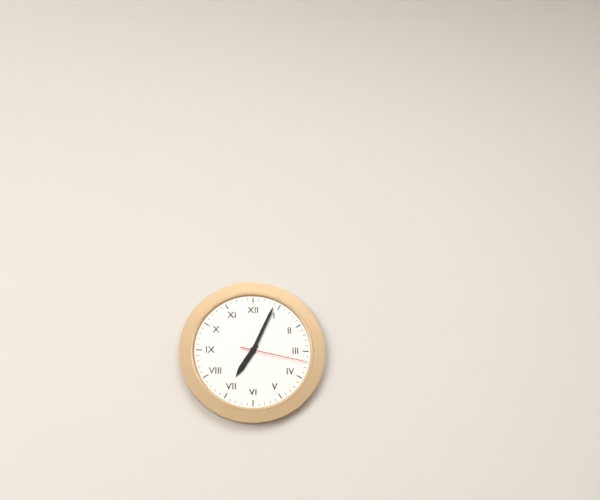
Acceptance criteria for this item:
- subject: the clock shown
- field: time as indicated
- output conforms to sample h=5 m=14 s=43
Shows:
h=7 m=4 s=17
